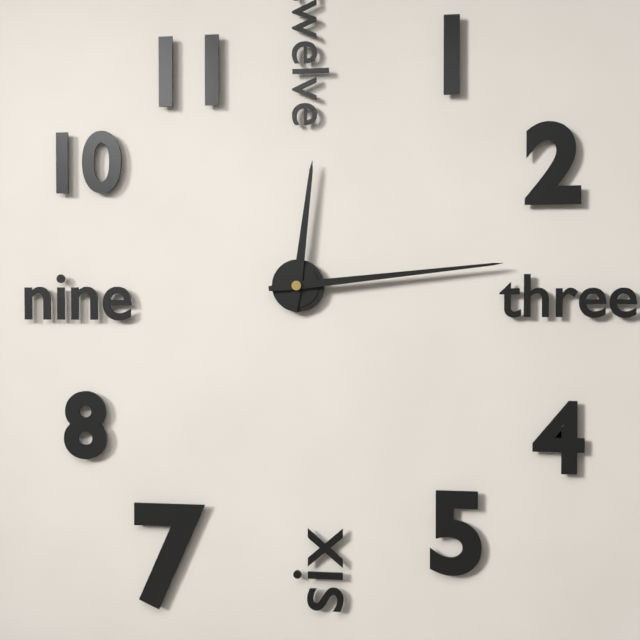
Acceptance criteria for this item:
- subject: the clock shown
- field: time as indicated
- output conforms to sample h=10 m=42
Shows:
h=12 m=14
